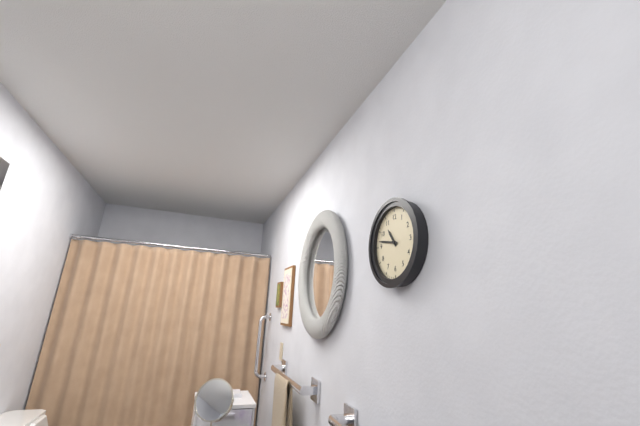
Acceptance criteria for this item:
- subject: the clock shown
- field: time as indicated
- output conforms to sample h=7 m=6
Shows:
h=10 m=47
